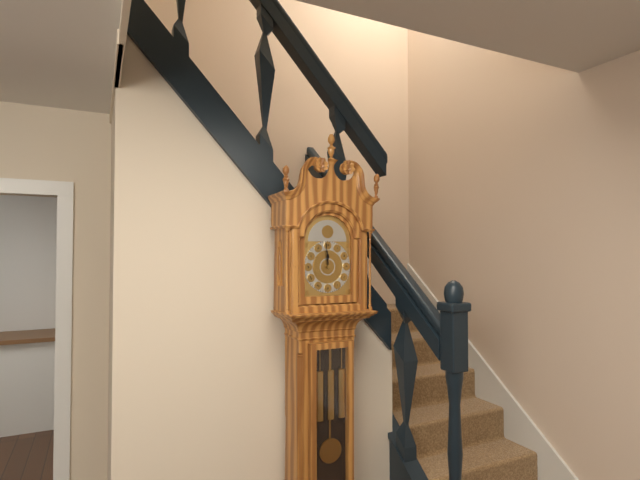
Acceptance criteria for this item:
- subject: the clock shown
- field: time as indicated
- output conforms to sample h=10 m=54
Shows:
h=11 m=59
